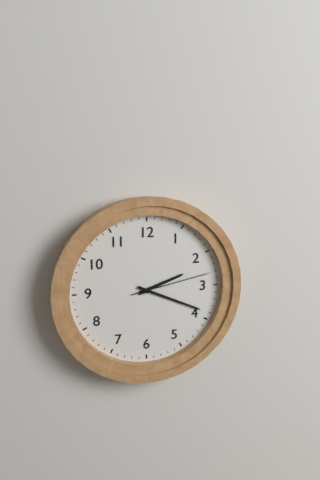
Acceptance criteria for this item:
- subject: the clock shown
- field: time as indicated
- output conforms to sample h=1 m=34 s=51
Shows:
h=2 m=19 s=13
